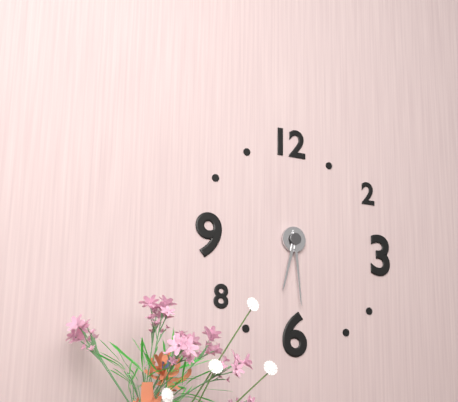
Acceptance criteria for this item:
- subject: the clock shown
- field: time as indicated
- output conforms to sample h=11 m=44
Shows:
h=6 m=29
